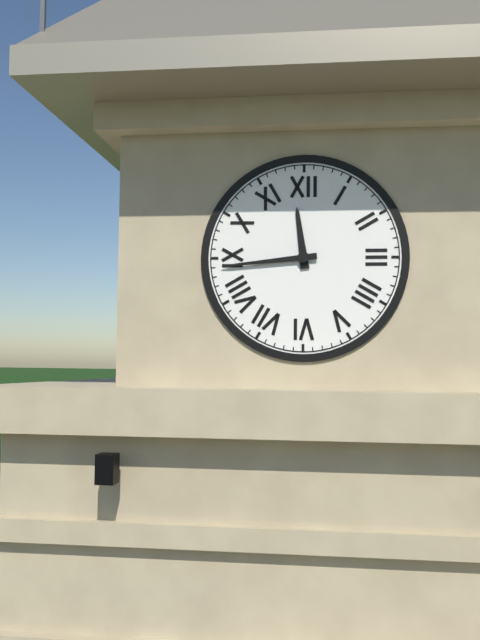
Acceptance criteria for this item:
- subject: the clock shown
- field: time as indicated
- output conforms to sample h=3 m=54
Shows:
h=11 m=44
